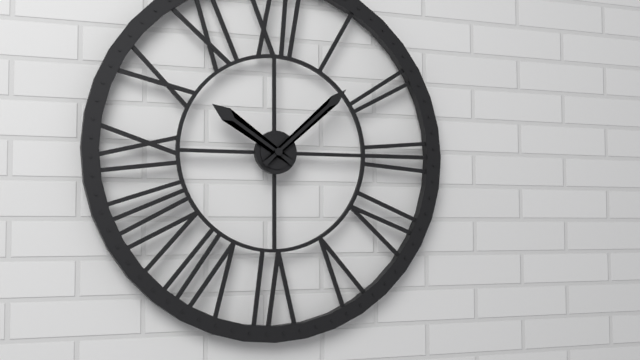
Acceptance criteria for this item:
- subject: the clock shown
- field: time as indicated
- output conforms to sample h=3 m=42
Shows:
h=10 m=8
